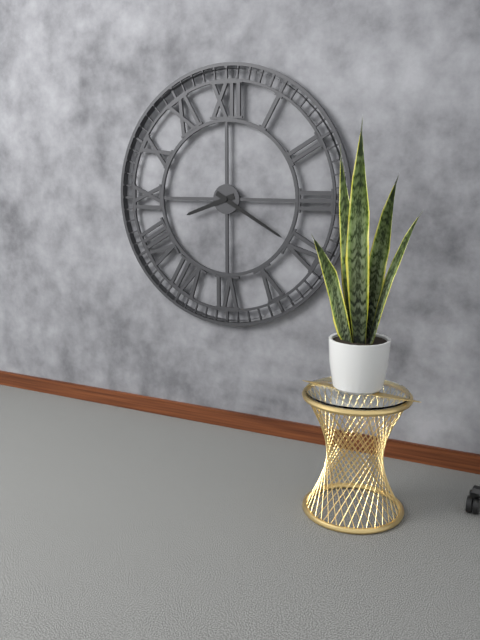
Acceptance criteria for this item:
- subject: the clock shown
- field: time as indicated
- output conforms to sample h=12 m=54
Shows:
h=8 m=20
